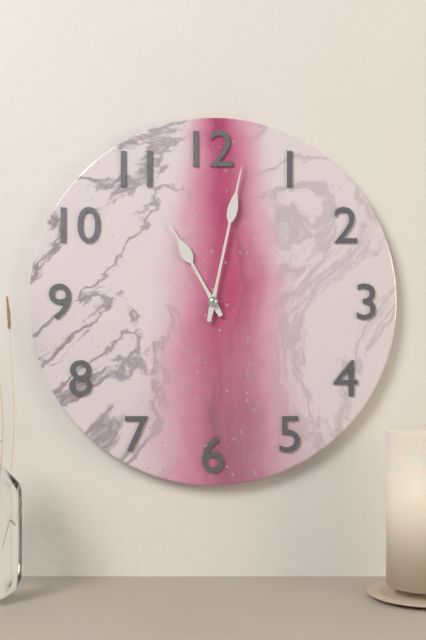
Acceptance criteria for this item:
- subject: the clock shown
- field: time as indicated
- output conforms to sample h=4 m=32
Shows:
h=11 m=2
